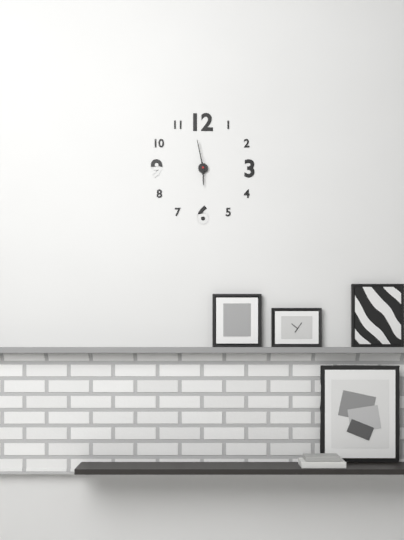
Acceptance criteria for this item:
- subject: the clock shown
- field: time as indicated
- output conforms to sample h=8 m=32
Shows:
h=5 m=58
